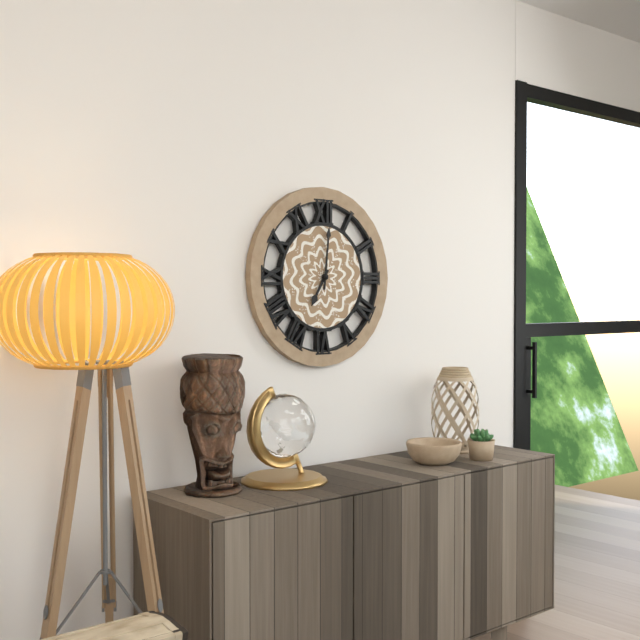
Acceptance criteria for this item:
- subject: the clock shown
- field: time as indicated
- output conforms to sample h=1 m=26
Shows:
h=7 m=1
